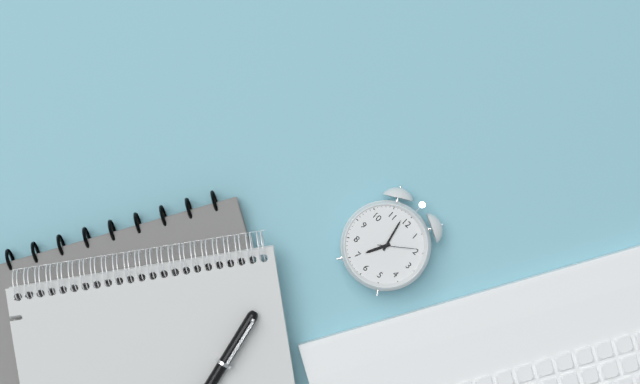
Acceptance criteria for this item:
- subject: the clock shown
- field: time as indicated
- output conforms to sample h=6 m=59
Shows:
h=6 m=58
